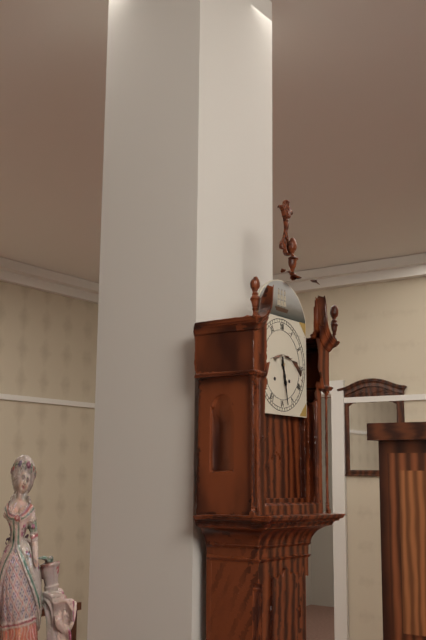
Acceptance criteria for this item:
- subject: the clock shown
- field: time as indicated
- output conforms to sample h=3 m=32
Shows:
h=5 m=28
